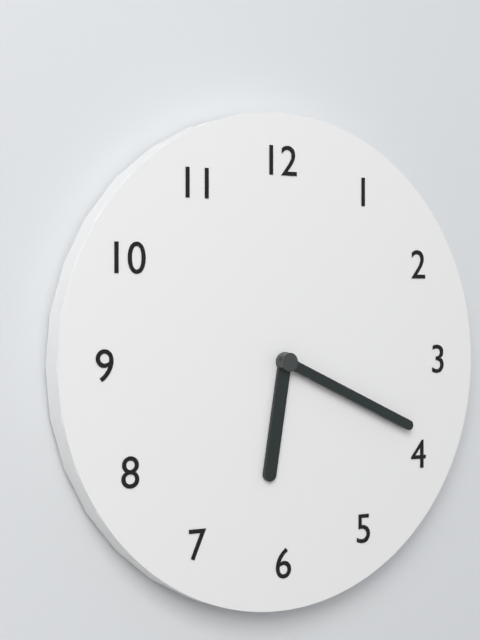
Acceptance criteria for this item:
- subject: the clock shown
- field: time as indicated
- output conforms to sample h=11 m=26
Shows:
h=6 m=19
